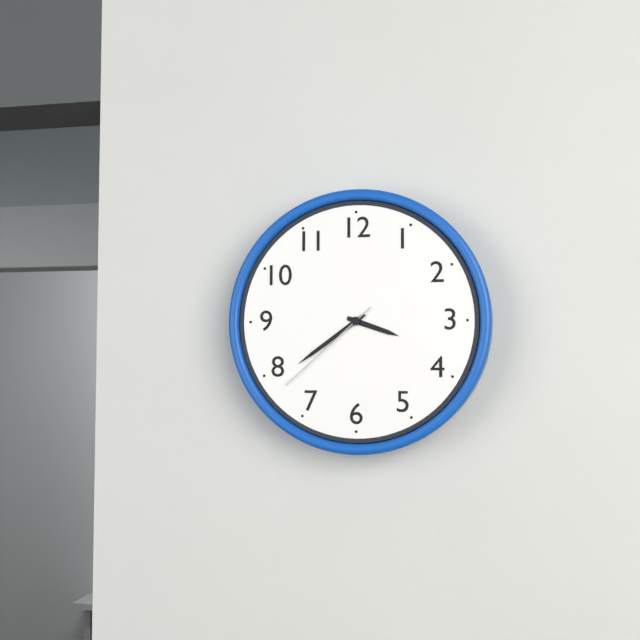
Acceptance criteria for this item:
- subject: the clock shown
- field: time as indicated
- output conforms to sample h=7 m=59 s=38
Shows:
h=3 m=39 s=38
